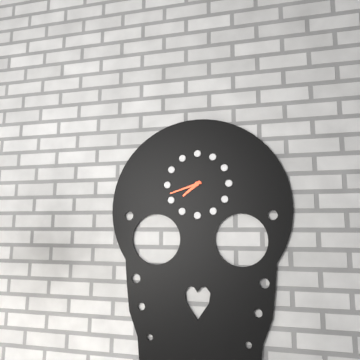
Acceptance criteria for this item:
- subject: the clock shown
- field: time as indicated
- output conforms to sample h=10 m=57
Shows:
h=7 m=42
